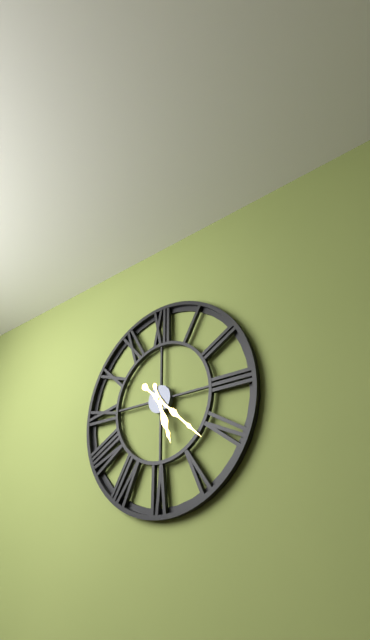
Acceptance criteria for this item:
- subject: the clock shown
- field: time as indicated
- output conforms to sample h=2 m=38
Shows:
h=5 m=22
